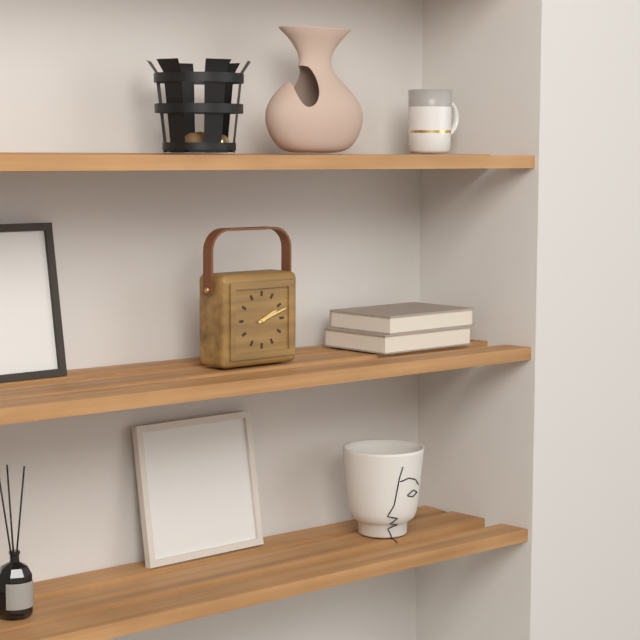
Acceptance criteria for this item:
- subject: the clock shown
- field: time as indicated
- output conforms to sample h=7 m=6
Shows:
h=2 m=12
